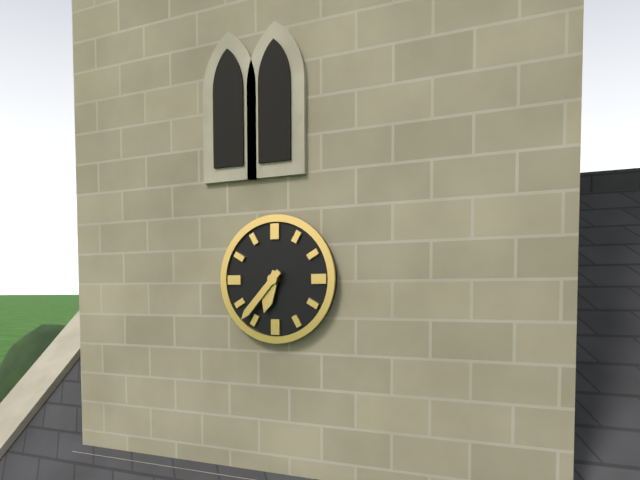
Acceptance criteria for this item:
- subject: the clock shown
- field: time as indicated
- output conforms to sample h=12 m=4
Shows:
h=6 m=37
